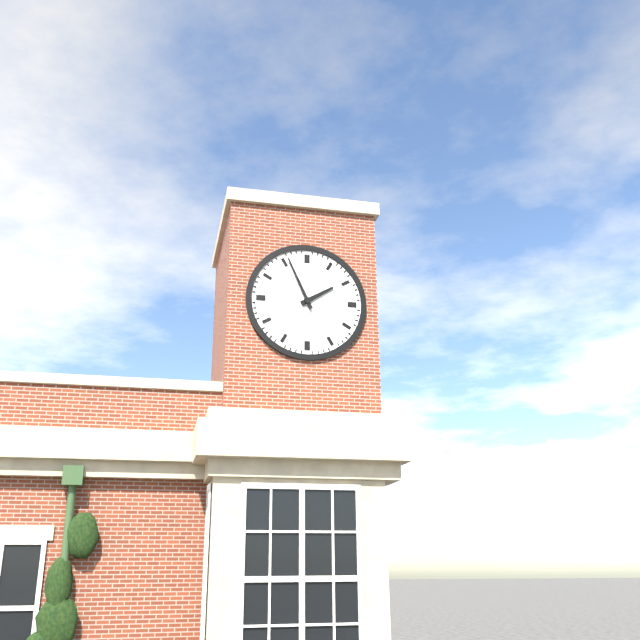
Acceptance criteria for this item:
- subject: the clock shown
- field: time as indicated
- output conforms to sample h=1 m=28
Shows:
h=1 m=56
